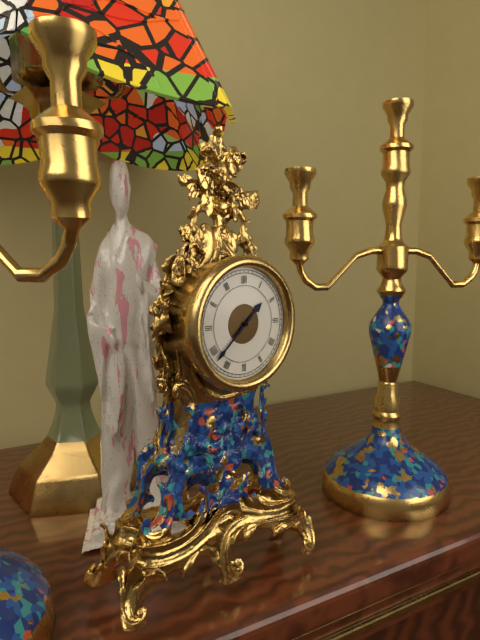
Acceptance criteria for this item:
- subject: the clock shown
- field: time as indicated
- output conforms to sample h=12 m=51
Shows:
h=1 m=38
